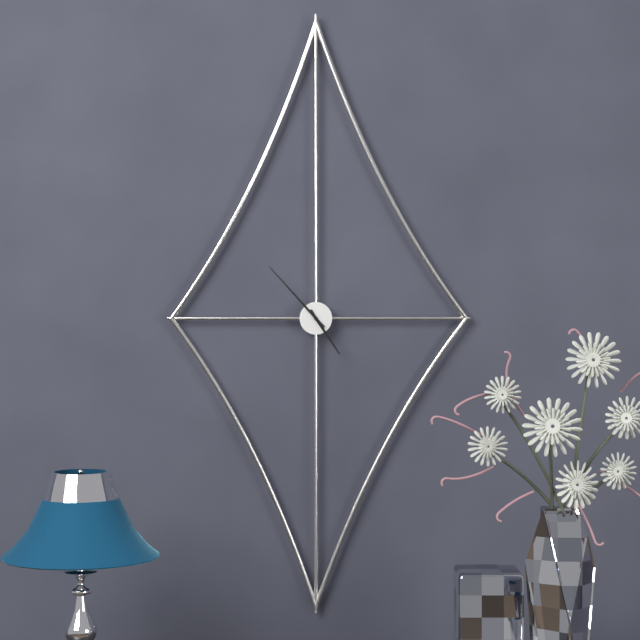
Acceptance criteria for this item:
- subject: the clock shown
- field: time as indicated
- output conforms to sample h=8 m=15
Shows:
h=4 m=53
